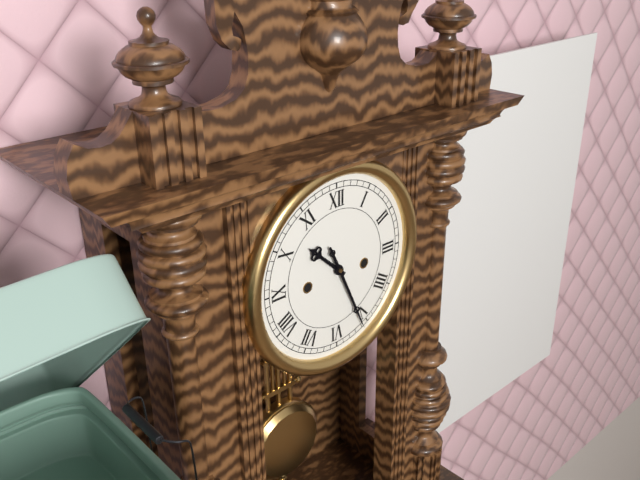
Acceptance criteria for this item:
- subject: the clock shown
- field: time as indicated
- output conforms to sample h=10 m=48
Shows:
h=10 m=26
